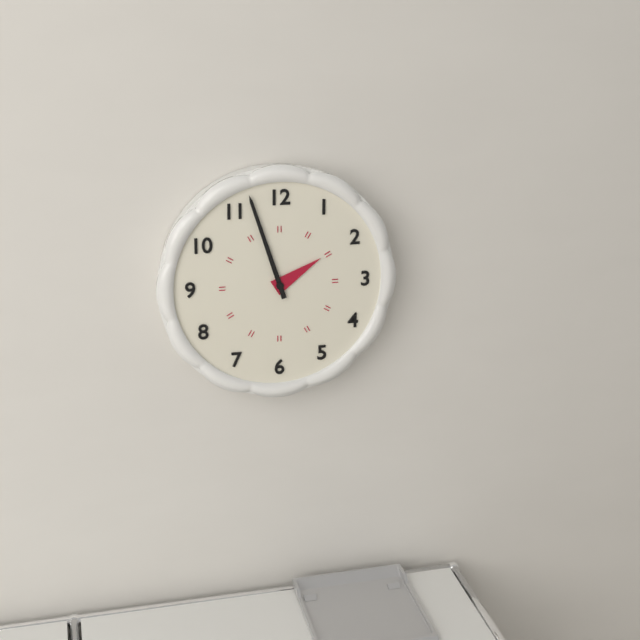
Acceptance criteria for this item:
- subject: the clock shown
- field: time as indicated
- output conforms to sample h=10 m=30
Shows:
h=1 m=57
